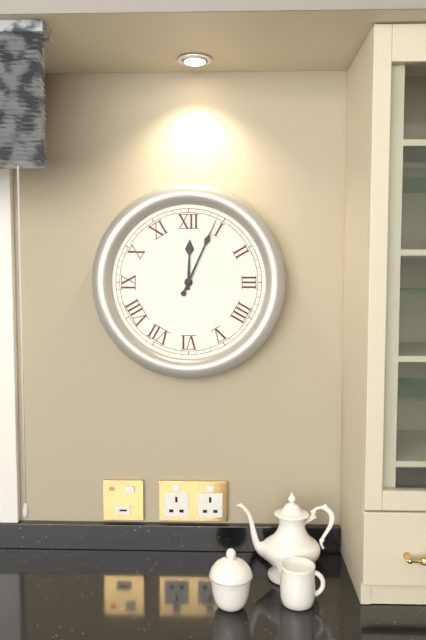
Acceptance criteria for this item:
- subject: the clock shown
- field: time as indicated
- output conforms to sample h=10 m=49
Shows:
h=12 m=4
